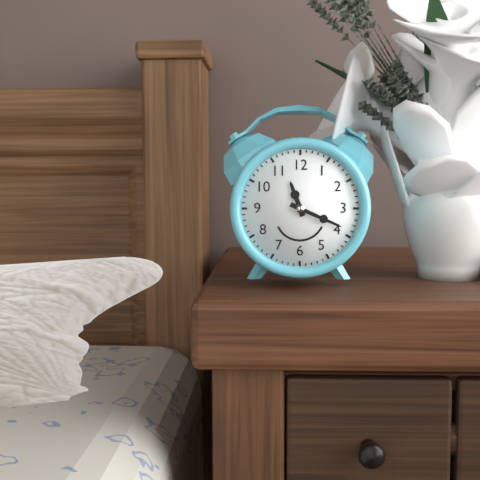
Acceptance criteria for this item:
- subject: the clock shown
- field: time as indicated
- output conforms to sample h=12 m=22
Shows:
h=11 m=19
